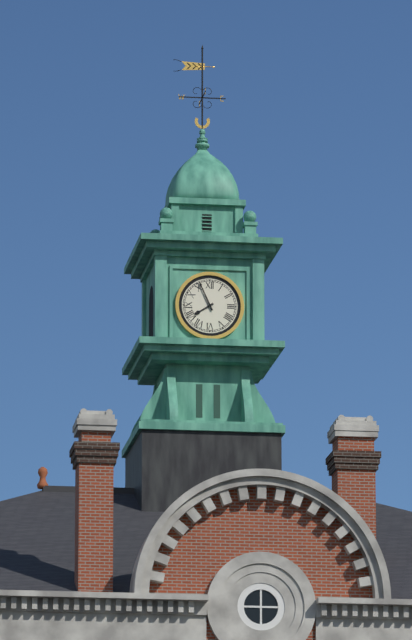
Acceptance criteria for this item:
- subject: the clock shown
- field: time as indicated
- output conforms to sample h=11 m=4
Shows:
h=7 m=56
